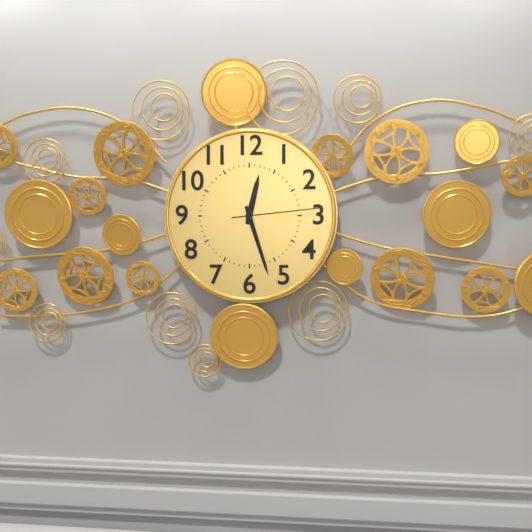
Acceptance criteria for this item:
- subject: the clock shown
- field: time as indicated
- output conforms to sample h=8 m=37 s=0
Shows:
h=12 m=27 s=14
